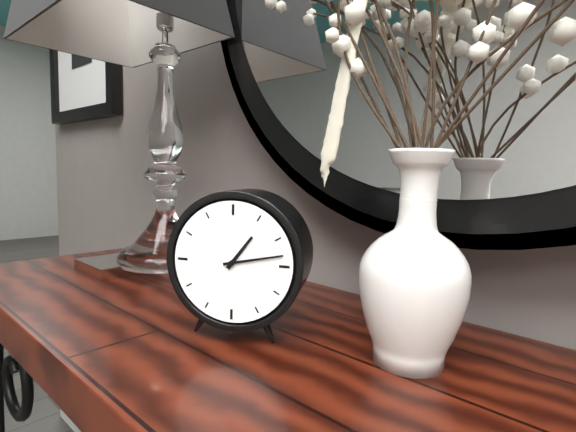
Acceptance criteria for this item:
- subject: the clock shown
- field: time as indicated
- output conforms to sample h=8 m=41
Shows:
h=1 m=13
